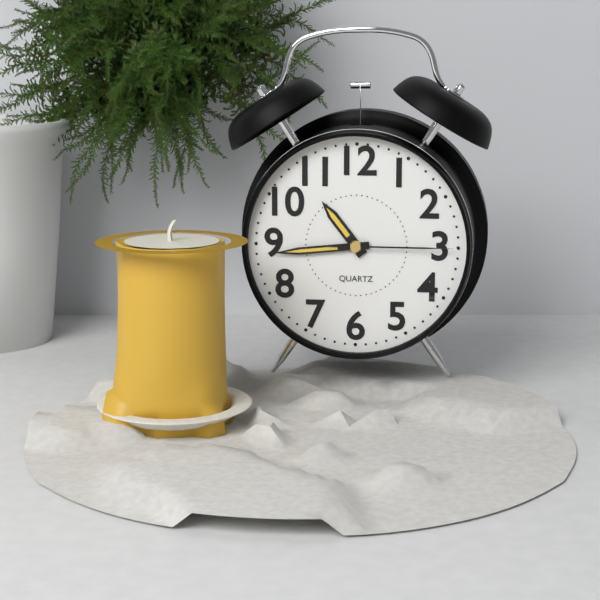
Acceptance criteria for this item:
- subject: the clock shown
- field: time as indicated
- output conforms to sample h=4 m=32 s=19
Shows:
h=10 m=44 s=15
